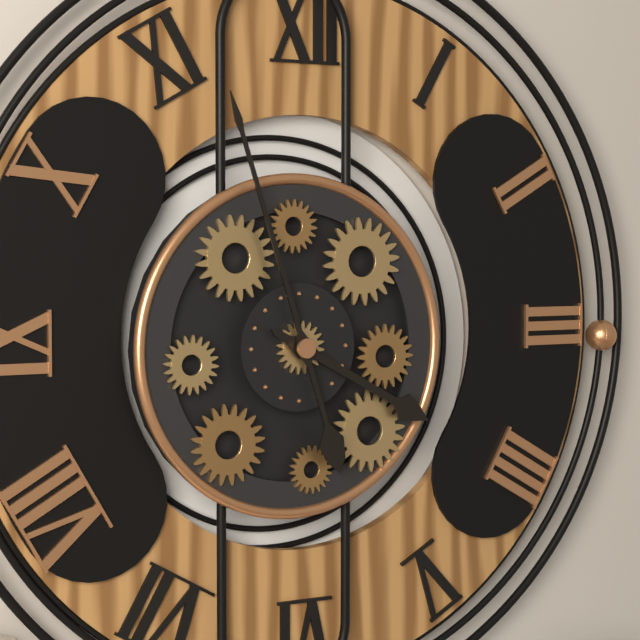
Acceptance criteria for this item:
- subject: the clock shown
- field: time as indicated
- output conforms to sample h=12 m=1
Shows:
h=3 m=57
